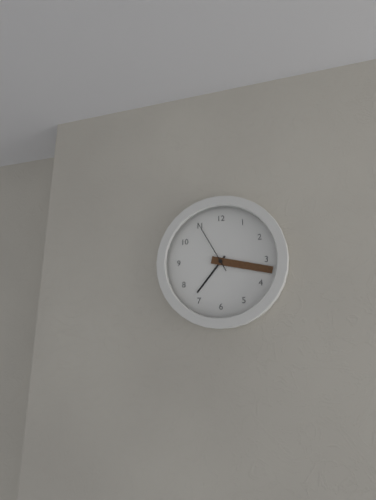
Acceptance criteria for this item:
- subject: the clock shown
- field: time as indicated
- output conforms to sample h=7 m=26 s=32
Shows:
h=7 m=17 s=55
